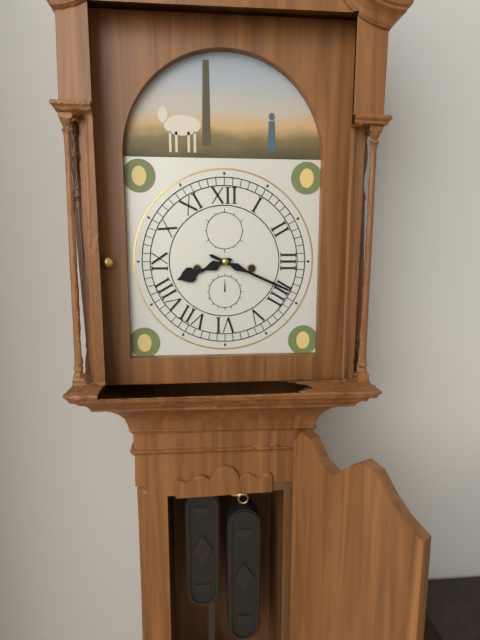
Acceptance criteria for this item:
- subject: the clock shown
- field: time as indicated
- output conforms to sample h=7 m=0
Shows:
h=8 m=19
